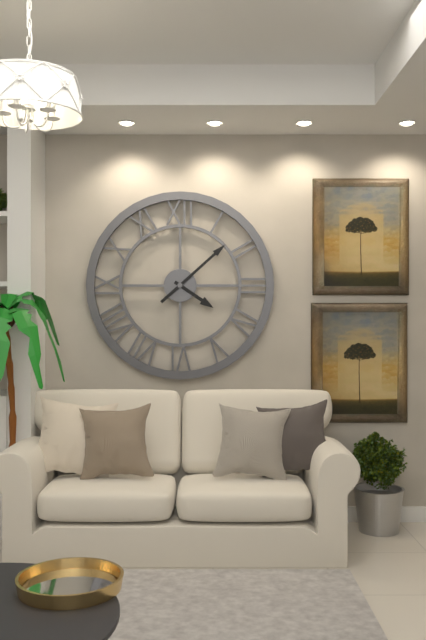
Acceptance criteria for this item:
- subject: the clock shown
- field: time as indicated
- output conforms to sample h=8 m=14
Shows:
h=4 m=8
